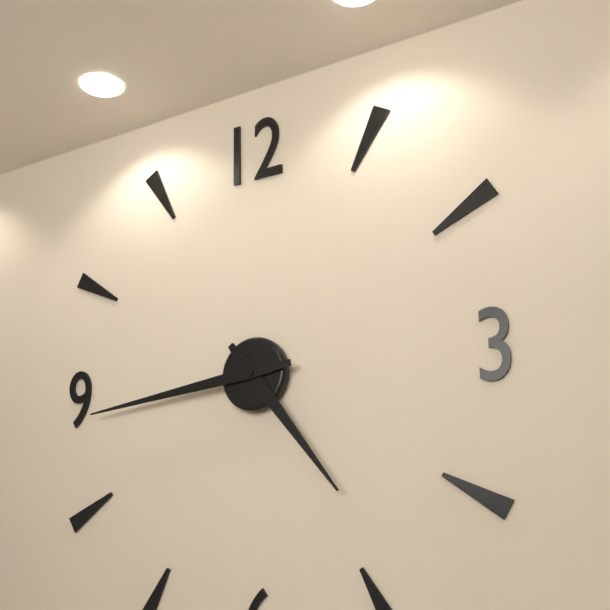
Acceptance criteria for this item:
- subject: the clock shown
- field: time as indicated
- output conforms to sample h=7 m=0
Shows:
h=4 m=44
